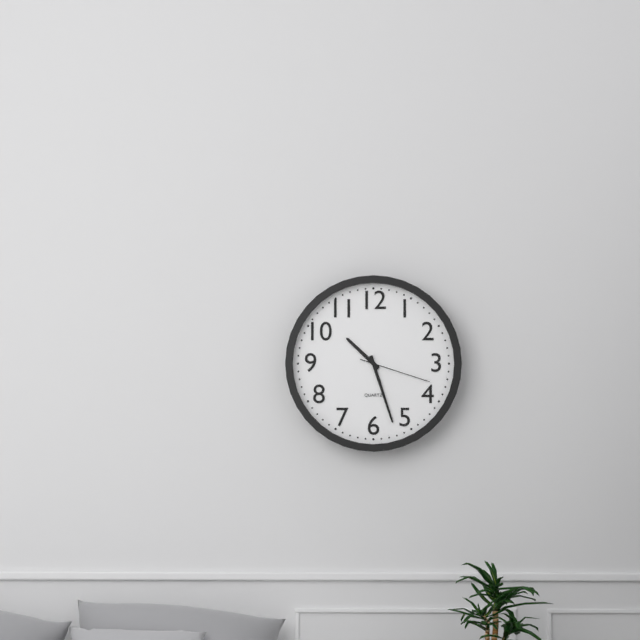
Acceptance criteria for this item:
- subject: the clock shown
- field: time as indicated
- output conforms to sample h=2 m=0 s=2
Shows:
h=10 m=27 s=18
